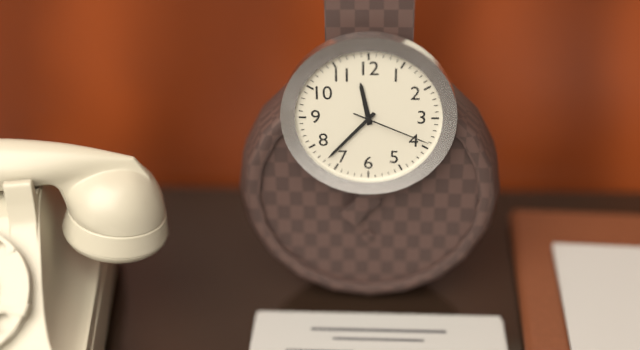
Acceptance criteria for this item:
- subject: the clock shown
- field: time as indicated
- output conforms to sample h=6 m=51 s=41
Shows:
h=11 m=37 s=19
